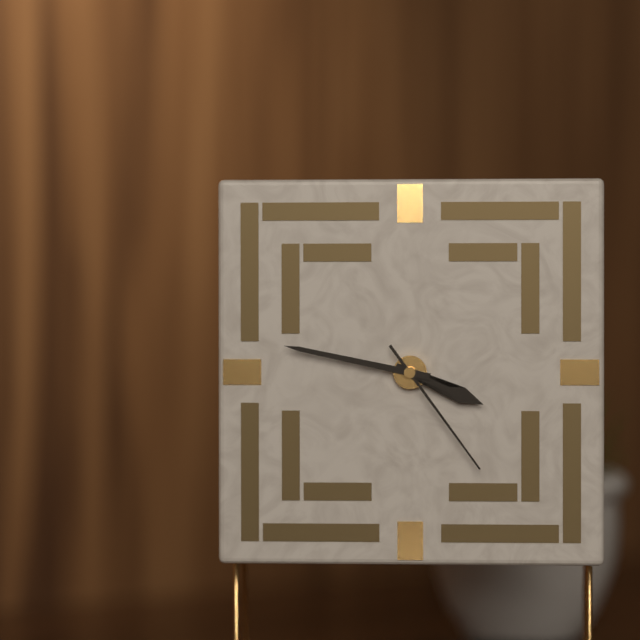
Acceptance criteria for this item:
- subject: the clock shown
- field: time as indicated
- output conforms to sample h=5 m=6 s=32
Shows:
h=3 m=47 s=24
